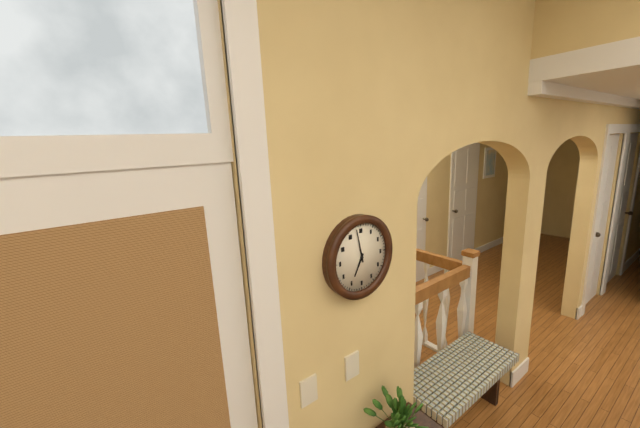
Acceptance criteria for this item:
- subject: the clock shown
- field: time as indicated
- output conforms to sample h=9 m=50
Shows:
h=6 m=58
